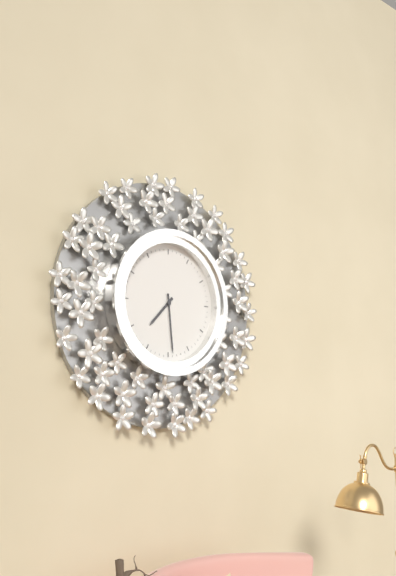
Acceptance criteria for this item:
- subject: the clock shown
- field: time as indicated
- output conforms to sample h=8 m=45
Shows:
h=7 m=29
